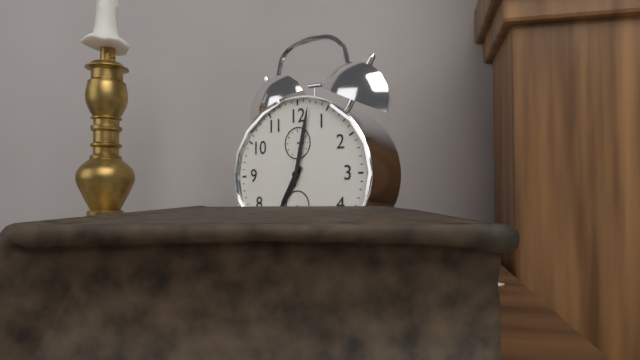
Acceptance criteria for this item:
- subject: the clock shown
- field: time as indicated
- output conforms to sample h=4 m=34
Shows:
h=7 m=2
